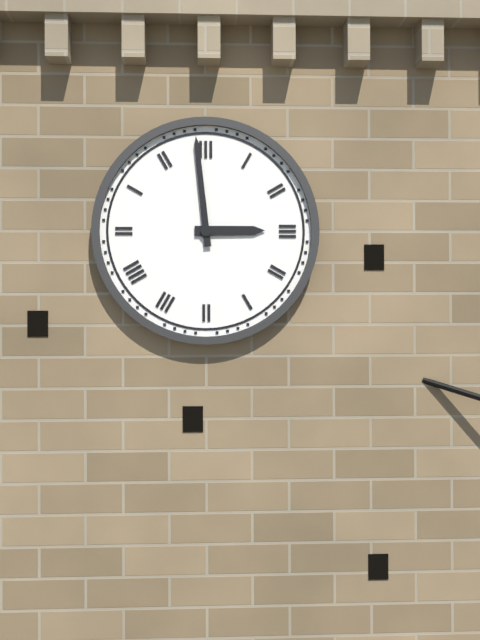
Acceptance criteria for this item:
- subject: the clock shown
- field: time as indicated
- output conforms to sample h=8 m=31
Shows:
h=2 m=59
